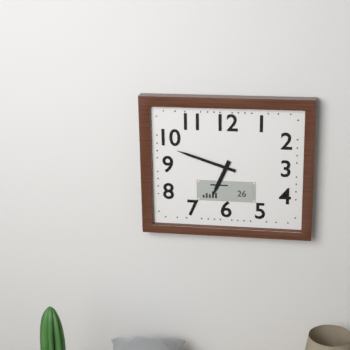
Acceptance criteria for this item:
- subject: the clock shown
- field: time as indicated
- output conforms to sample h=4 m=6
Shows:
h=6 m=48
